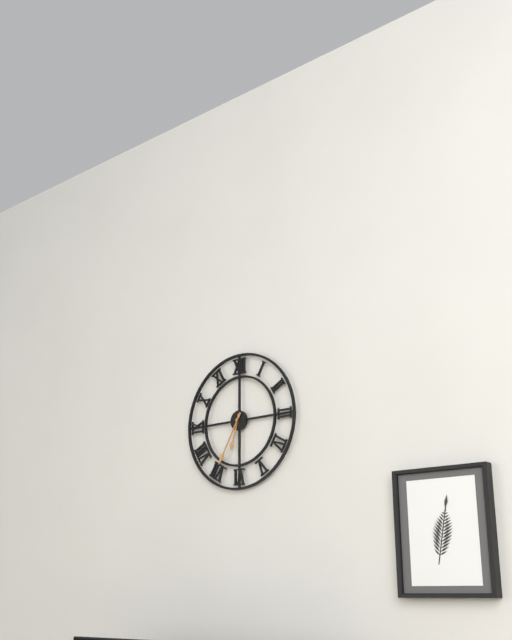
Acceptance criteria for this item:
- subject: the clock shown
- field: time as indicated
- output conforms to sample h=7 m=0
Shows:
h=6 m=35
